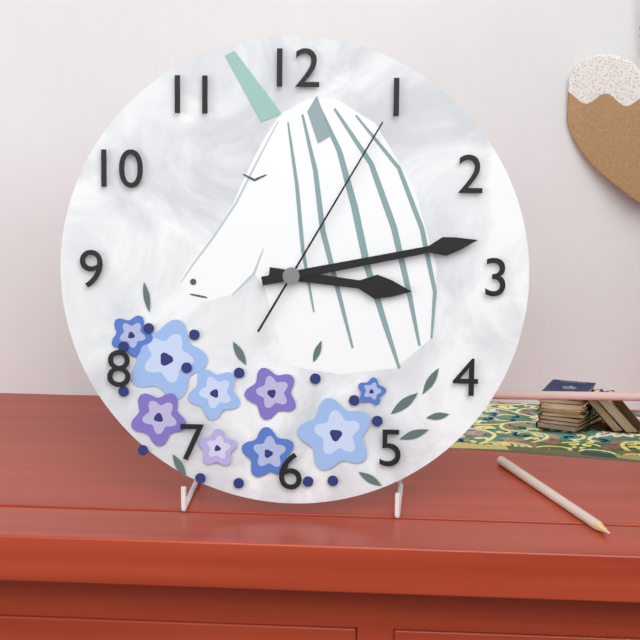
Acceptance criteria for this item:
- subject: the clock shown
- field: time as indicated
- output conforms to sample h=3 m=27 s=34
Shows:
h=3 m=13 s=5
